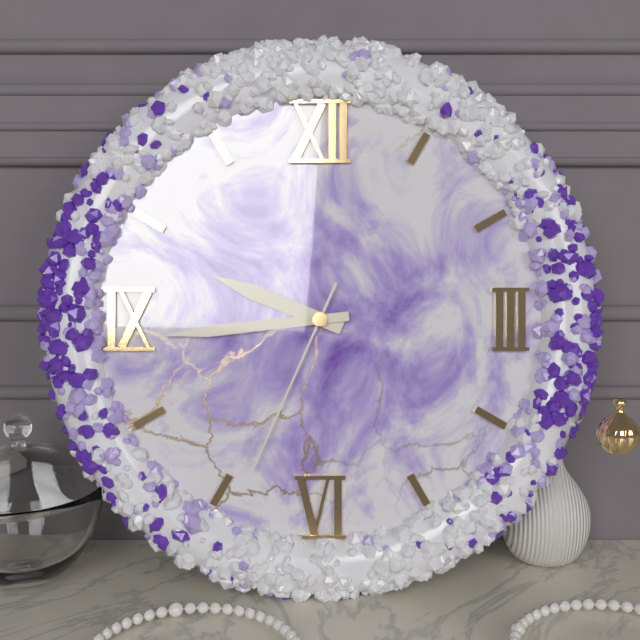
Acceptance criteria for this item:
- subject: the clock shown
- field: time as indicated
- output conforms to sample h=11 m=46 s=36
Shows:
h=9 m=44 s=34
